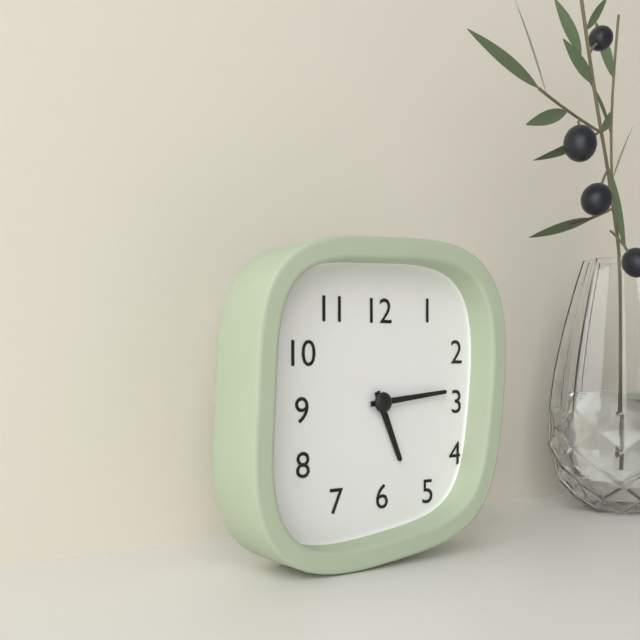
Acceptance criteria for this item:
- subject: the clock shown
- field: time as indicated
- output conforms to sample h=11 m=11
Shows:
h=5 m=14
